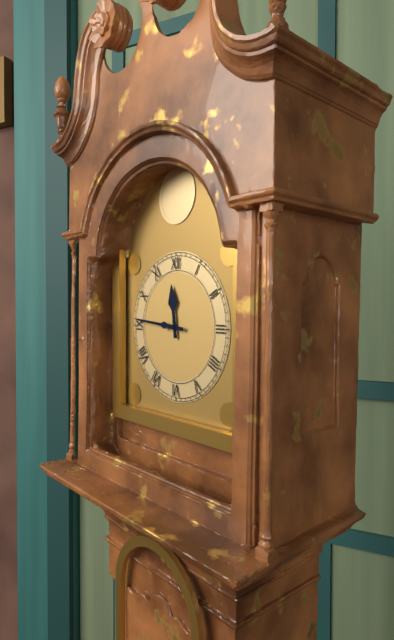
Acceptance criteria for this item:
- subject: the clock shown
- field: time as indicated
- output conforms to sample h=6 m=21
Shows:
h=11 m=46
